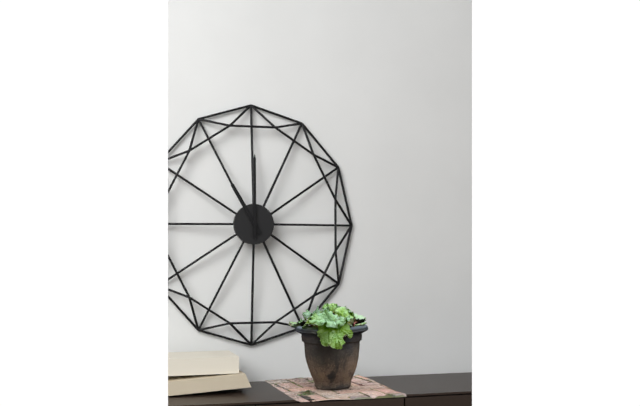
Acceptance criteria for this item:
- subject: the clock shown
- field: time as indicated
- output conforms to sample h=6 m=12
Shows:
h=11 m=0
